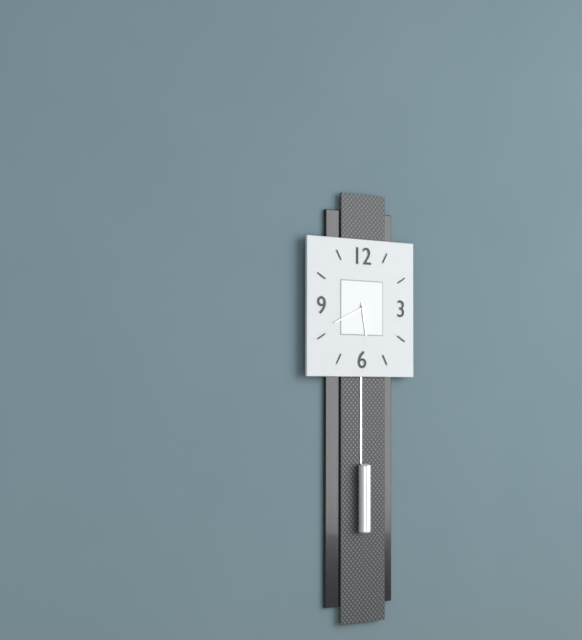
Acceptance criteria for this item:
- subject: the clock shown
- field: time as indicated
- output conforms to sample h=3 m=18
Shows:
h=5 m=41
